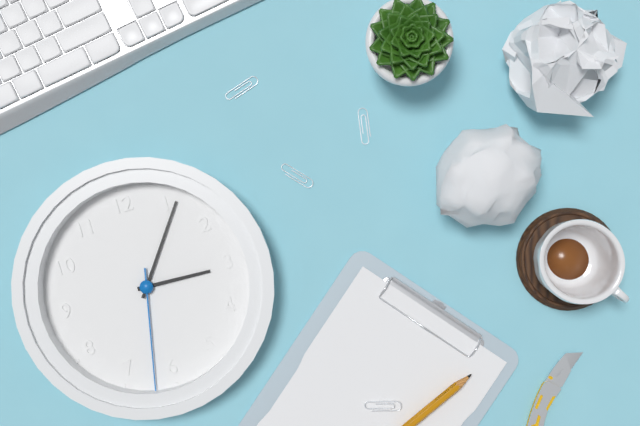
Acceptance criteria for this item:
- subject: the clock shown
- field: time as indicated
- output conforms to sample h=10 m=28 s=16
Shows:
h=3 m=6 s=32
